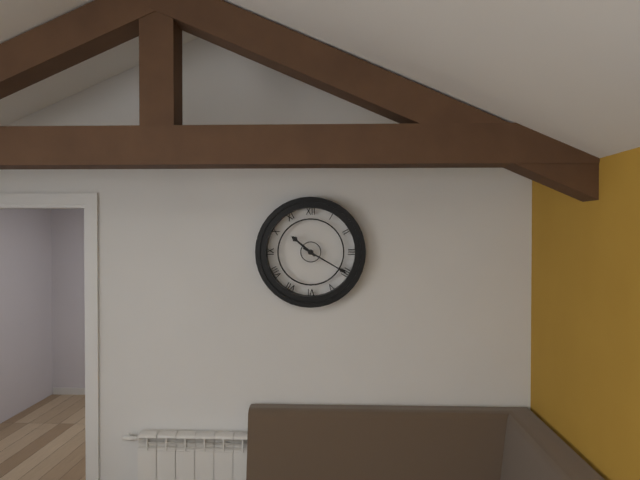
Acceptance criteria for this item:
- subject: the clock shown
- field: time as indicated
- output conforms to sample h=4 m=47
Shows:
h=10 m=20
